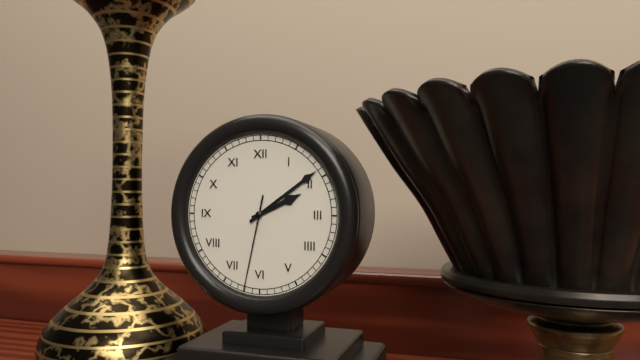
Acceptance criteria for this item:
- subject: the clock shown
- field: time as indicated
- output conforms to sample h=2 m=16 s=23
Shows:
h=2 m=9 s=32
